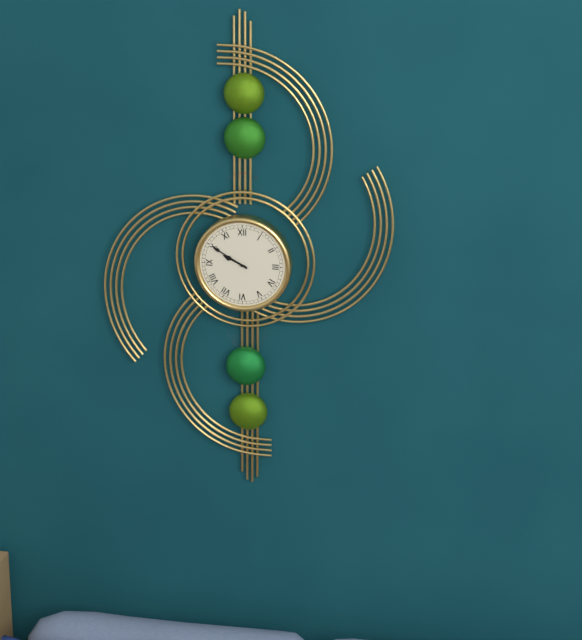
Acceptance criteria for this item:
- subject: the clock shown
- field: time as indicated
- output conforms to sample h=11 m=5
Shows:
h=9 m=50
